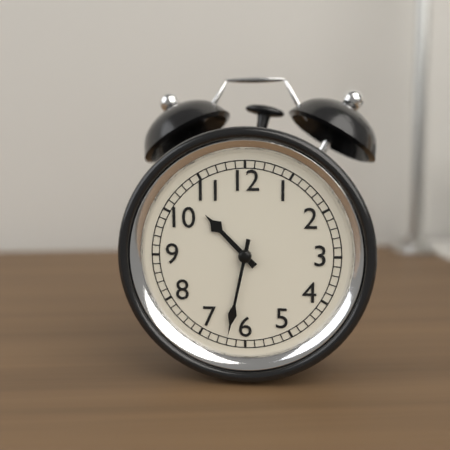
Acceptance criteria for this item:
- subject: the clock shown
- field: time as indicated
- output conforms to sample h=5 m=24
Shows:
h=10 m=32
